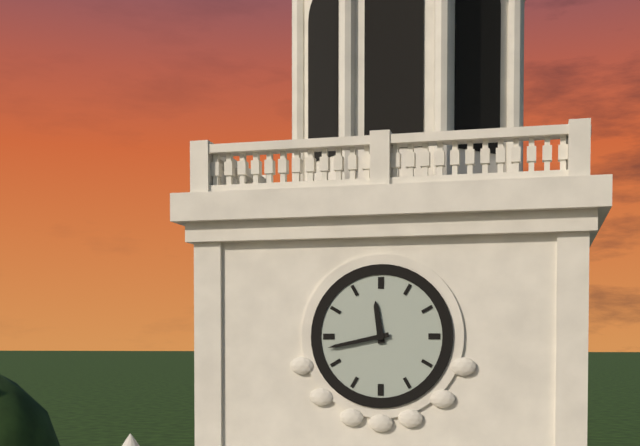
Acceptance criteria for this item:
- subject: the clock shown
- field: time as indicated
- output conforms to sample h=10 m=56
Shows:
h=11 m=43
